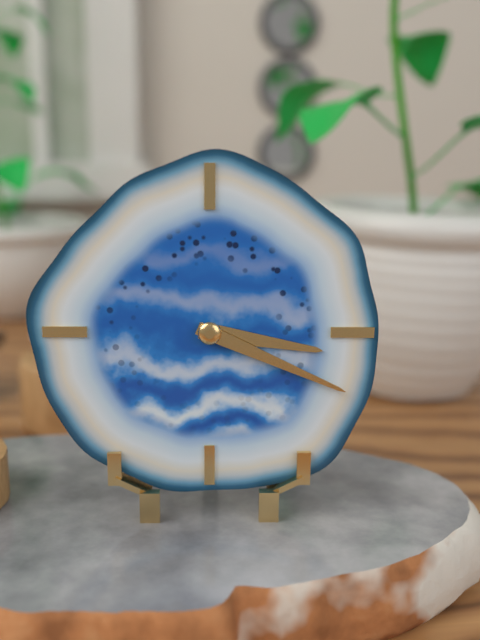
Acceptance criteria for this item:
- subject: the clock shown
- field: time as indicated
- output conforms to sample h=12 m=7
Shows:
h=3 m=19
